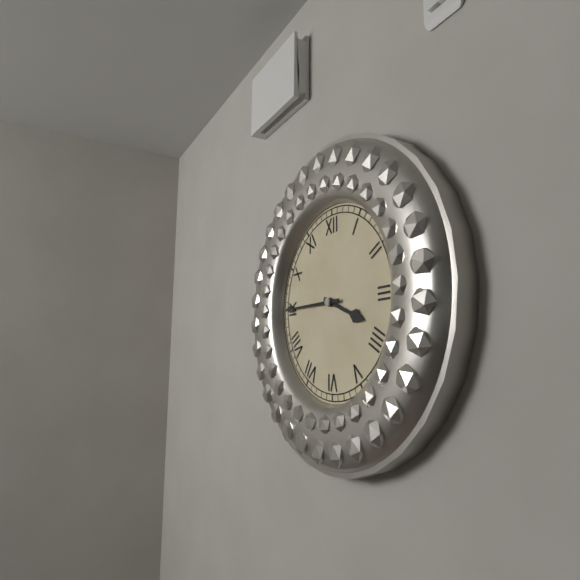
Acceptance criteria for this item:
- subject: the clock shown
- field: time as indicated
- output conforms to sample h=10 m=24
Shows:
h=3 m=45
